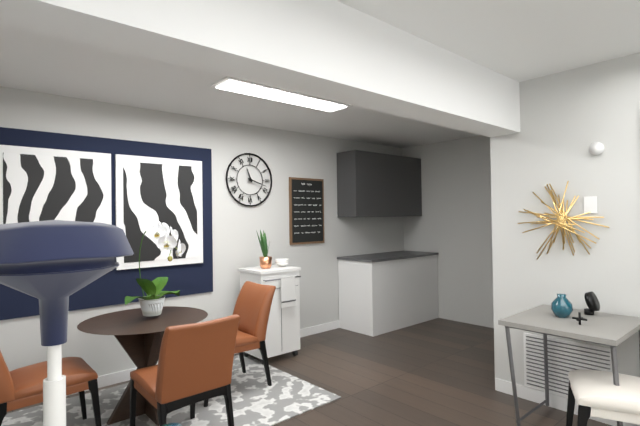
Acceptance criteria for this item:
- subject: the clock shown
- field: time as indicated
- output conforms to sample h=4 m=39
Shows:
h=11 m=18
